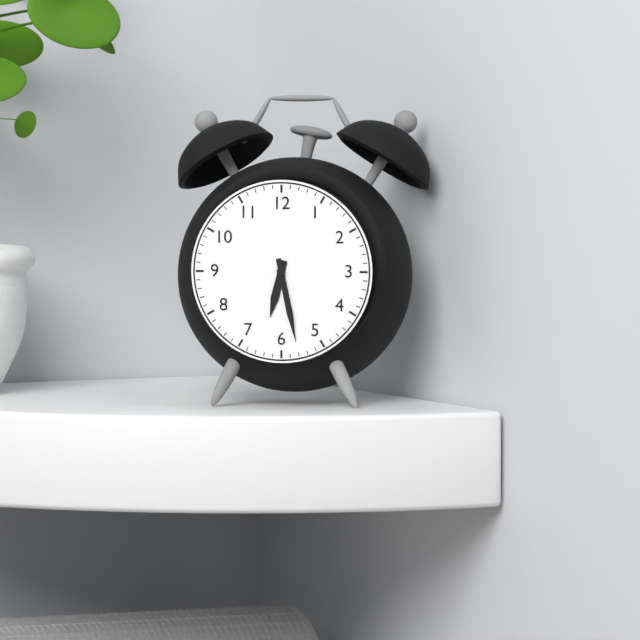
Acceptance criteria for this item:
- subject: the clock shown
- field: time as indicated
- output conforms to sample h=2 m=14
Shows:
h=6 m=28
